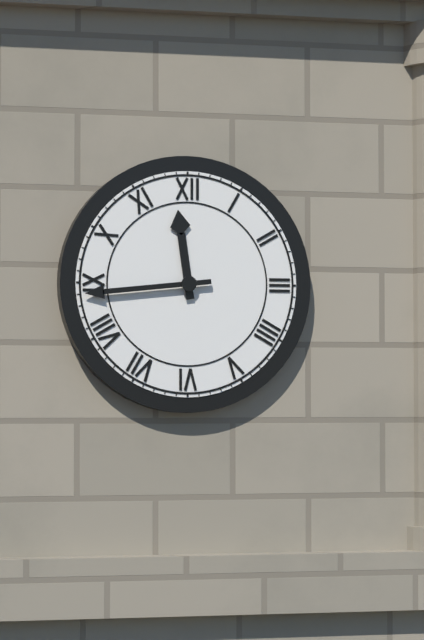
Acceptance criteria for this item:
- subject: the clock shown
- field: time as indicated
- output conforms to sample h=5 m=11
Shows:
h=11 m=44
